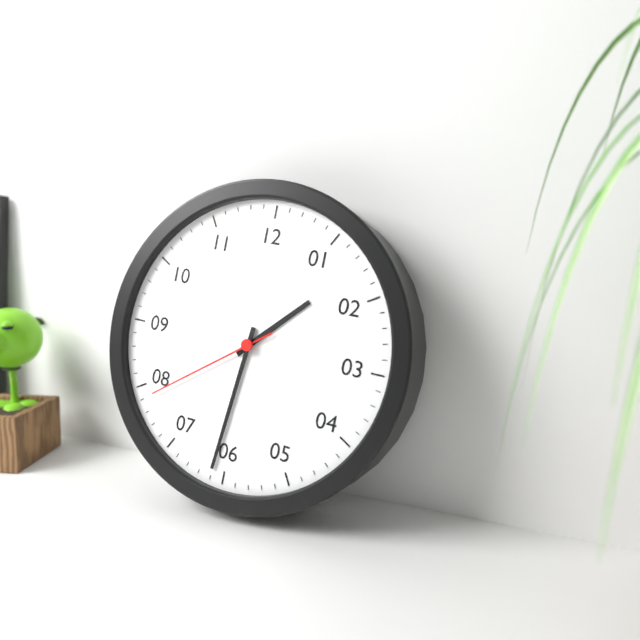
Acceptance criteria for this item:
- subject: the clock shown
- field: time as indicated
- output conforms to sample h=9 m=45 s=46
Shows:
h=1 m=31 s=39
